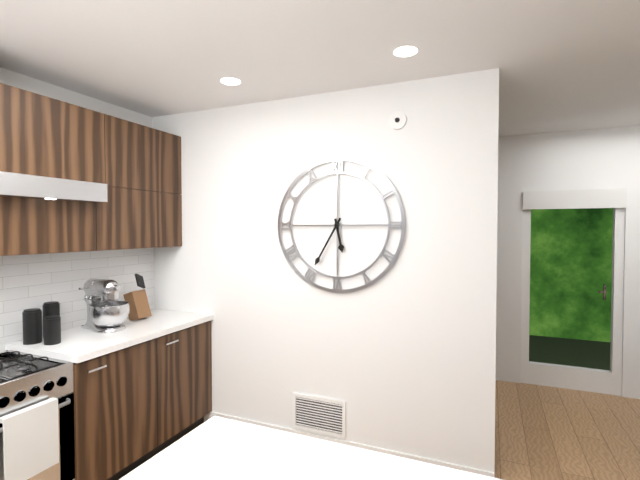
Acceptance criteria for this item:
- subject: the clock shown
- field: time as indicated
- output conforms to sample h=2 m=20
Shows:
h=5 m=35
